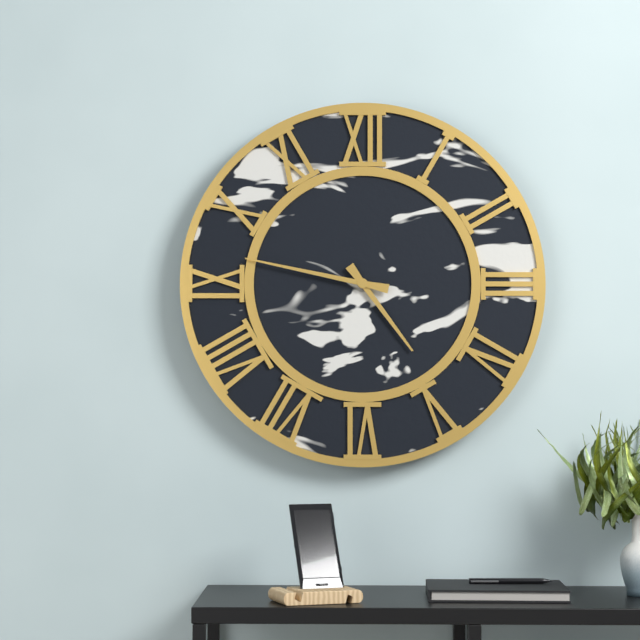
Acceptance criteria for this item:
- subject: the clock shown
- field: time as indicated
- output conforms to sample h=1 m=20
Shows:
h=4 m=47
